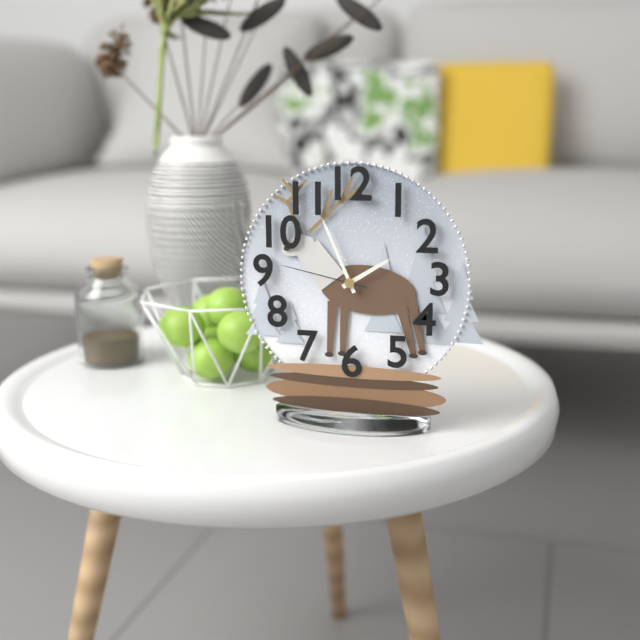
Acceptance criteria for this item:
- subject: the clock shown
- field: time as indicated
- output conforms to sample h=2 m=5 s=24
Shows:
h=1 m=56 s=47
